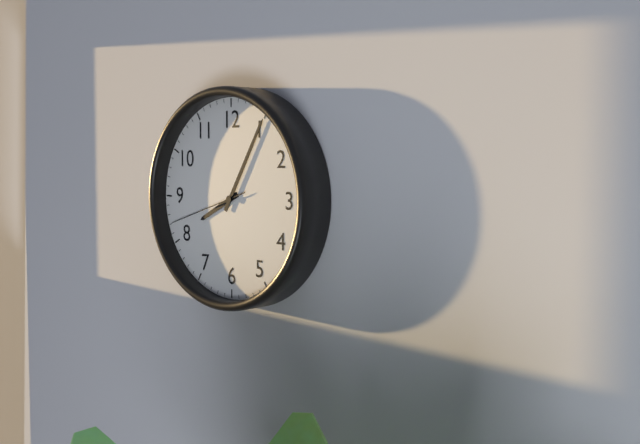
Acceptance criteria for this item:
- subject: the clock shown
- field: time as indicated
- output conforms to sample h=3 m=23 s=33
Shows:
h=8 m=5 s=42
